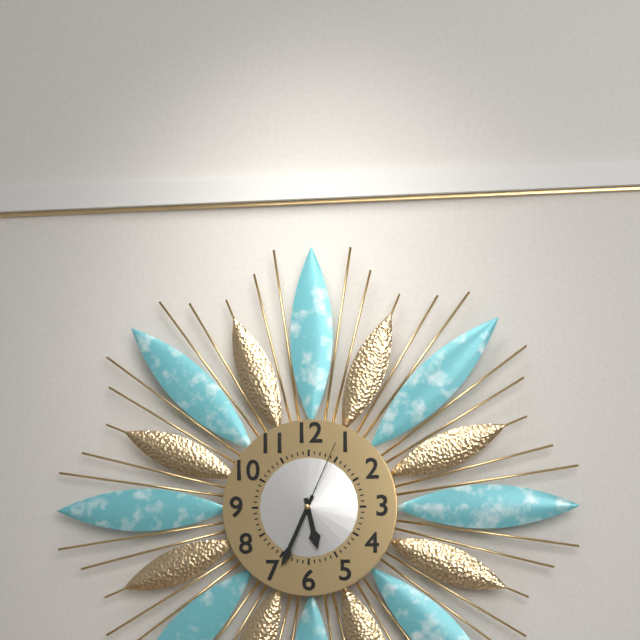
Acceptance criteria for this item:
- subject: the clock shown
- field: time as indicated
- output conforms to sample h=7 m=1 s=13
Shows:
h=5 m=34 s=4
